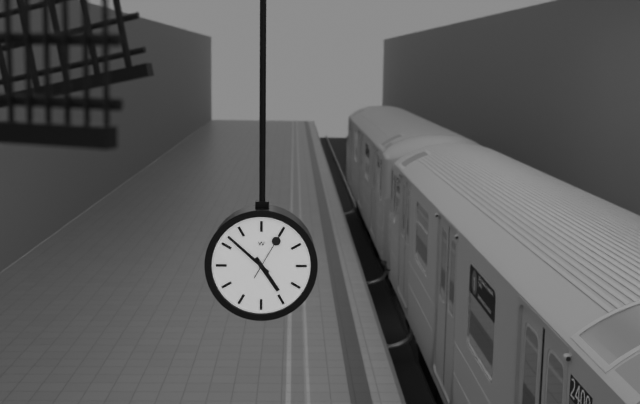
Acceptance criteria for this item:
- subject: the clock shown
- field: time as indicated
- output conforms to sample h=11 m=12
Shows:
h=4 m=52
